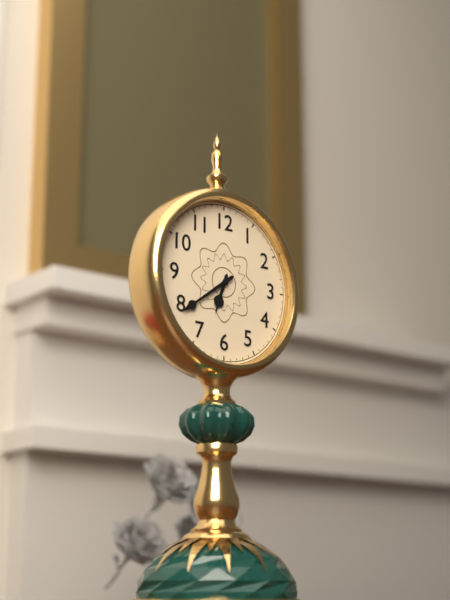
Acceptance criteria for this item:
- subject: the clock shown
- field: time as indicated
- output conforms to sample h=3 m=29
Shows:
h=6 m=39
